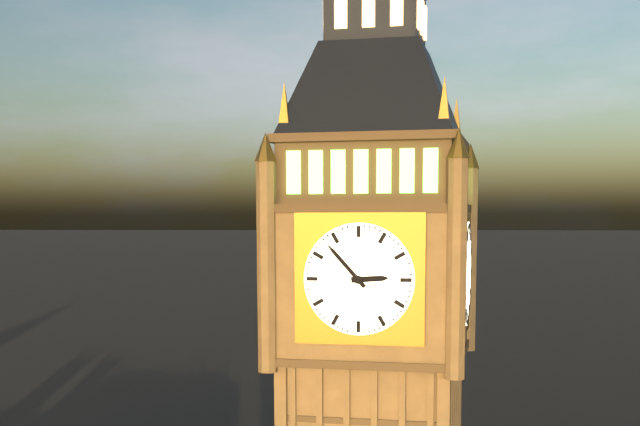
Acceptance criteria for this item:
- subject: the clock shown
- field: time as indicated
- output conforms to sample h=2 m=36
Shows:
h=2 m=53
